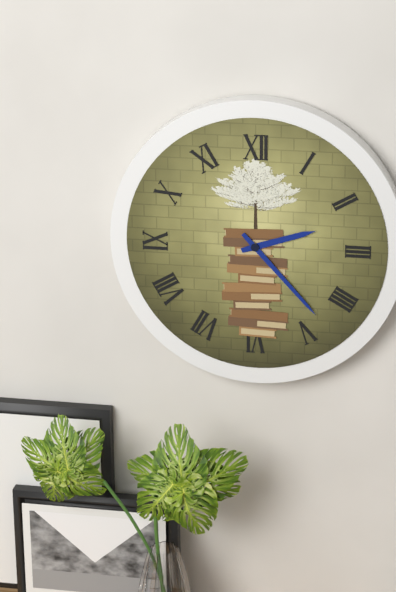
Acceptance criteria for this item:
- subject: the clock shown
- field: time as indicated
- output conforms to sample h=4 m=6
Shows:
h=2 m=23
